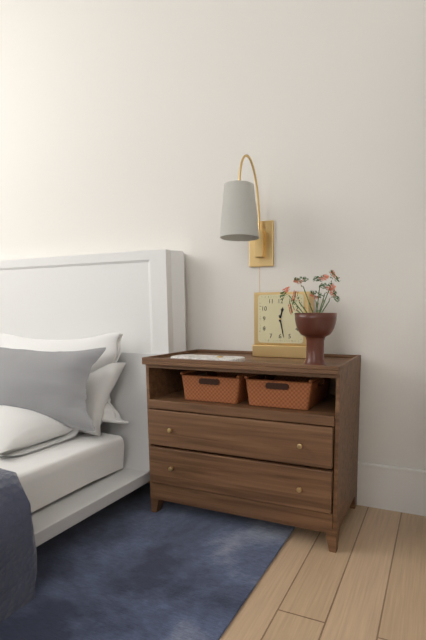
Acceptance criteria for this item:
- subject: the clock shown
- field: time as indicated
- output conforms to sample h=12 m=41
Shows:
h=12 m=28
